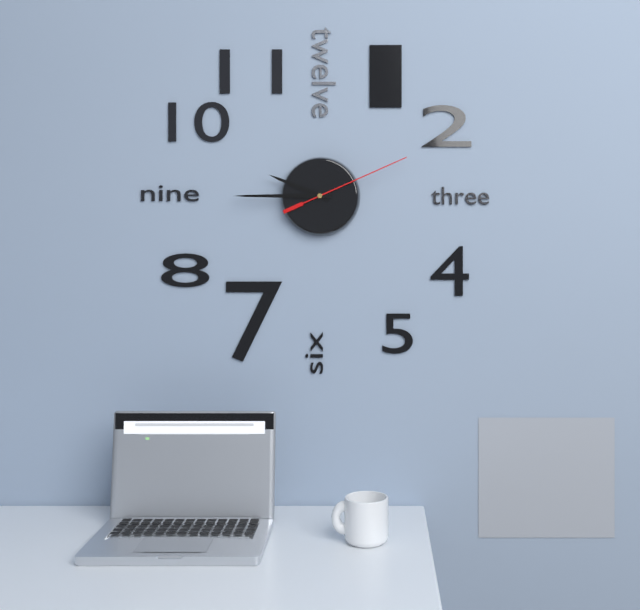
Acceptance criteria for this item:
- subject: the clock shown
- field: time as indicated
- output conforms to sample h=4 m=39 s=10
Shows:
h=9 m=45 s=11
